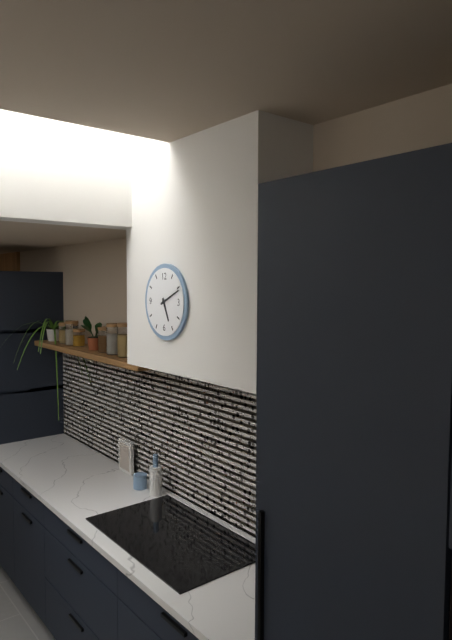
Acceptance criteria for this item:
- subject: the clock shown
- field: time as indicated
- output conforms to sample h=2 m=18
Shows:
h=5 m=11
